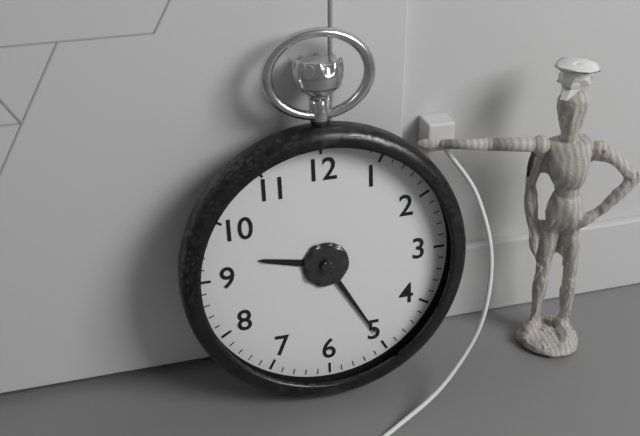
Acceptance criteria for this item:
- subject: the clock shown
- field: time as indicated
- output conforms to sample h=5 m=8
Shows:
h=9 m=25
